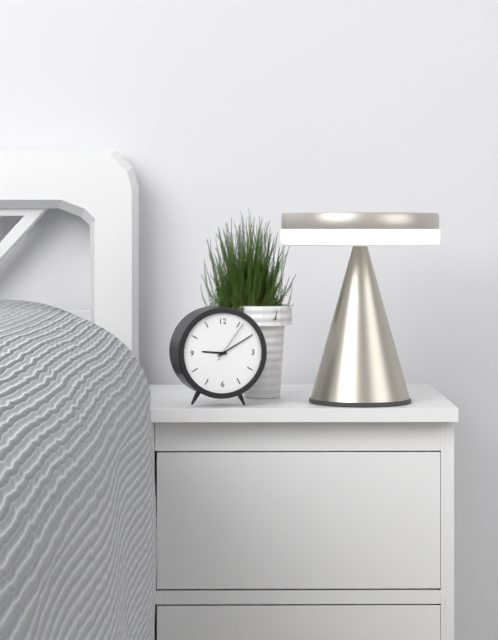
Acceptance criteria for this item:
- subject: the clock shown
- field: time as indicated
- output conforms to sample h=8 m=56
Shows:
h=9 m=10
